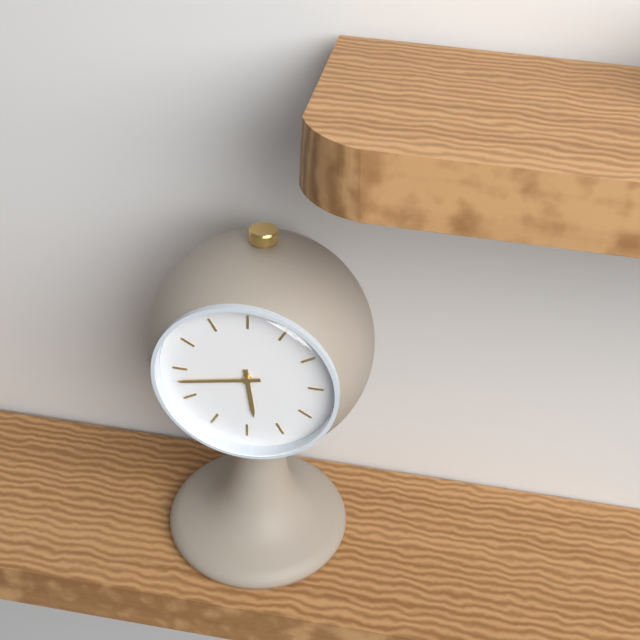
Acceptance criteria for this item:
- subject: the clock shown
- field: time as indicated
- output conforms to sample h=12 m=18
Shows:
h=5 m=43
